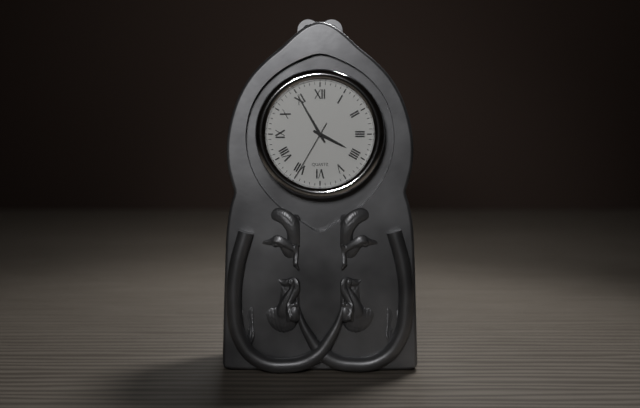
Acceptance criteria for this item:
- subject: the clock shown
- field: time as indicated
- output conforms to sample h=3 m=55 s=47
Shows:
h=3 m=55 s=35
